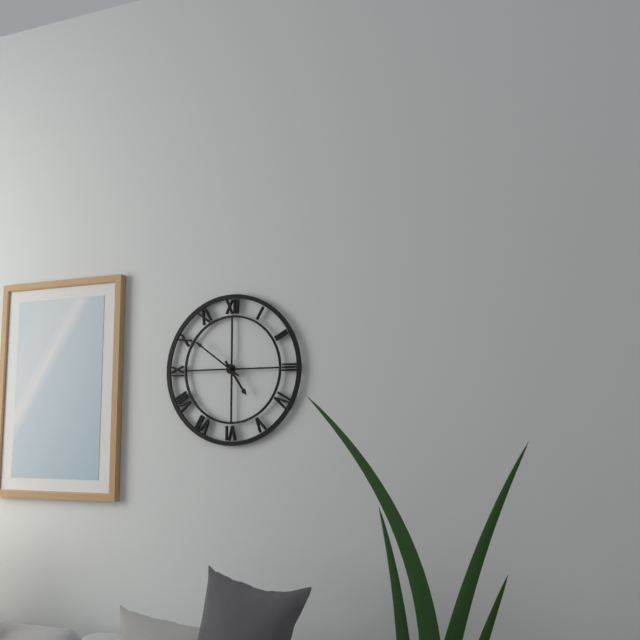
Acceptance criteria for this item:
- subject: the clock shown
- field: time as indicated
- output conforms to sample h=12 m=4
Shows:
h=4 m=51
